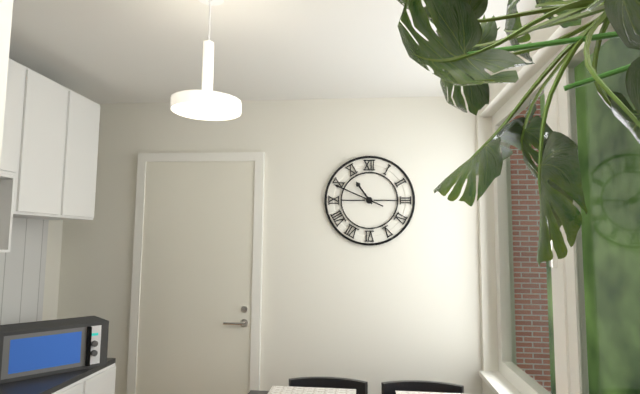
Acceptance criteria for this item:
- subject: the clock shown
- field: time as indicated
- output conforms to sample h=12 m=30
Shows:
h=10 m=49
